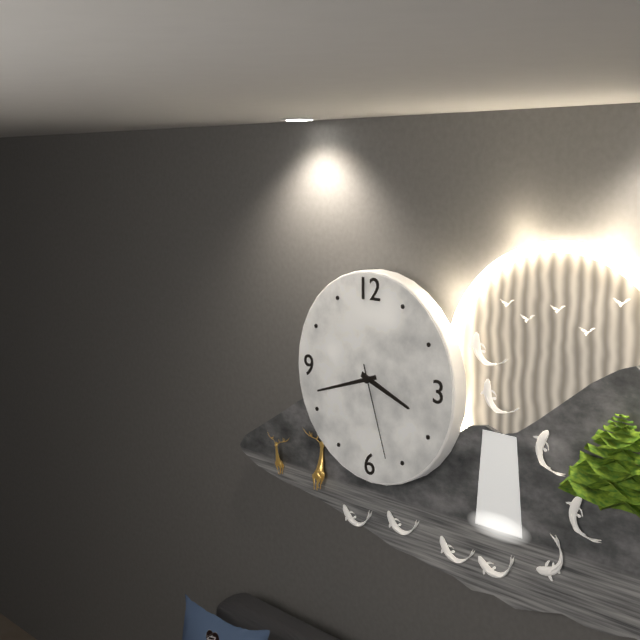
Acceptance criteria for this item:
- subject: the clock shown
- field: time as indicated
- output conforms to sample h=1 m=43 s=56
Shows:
h=3 m=42 s=27
